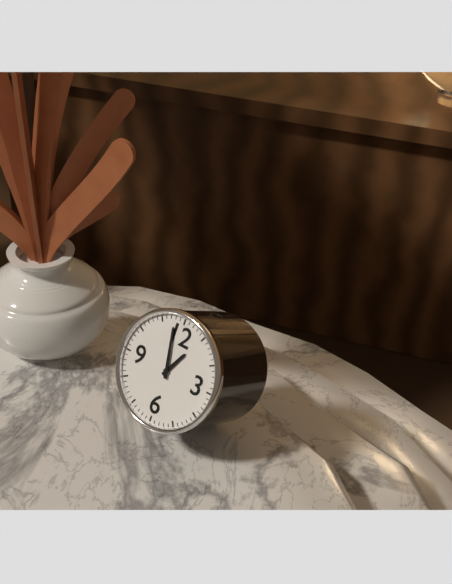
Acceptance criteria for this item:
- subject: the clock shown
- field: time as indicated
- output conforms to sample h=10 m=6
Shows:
h=12 m=58
